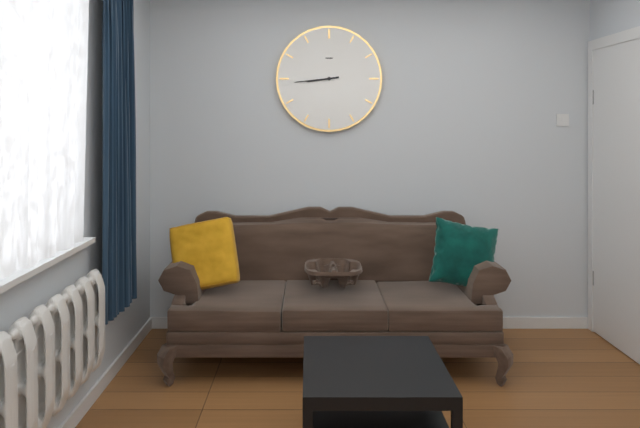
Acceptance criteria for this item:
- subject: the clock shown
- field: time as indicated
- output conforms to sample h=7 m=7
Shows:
h=8 m=44
